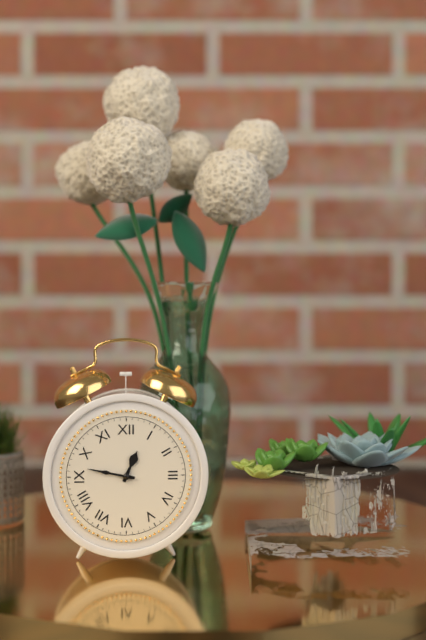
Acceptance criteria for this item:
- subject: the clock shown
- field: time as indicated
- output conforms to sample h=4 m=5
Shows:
h=12 m=47
